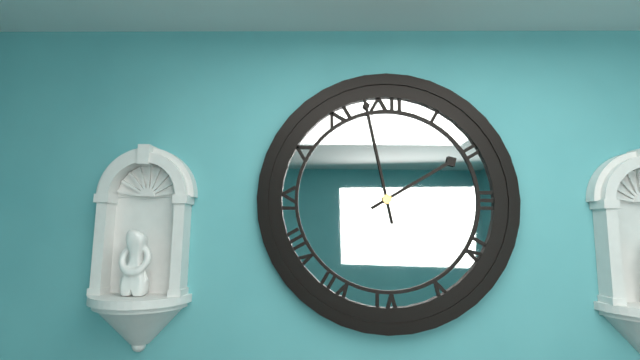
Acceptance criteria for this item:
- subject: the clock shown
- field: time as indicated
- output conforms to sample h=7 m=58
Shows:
h=1 m=58
